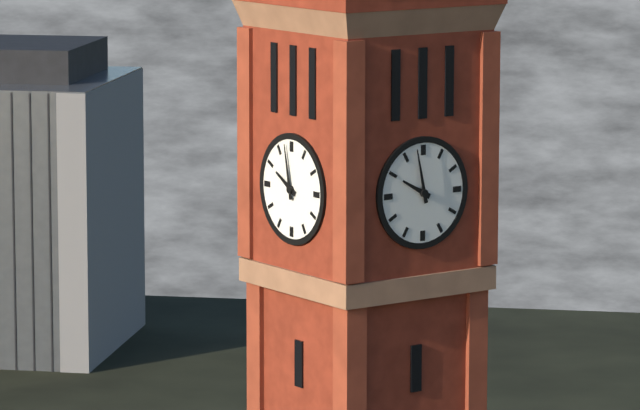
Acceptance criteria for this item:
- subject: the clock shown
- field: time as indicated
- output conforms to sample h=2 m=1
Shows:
h=9 m=58
